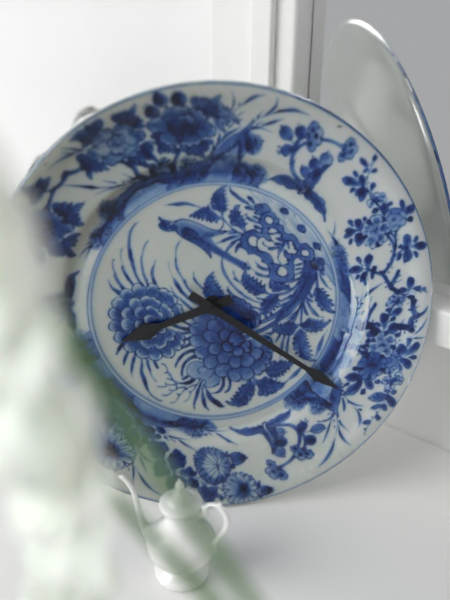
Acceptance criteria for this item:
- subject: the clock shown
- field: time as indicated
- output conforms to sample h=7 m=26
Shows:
h=8 m=21
